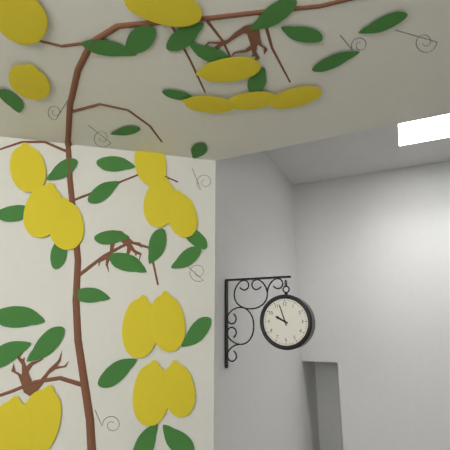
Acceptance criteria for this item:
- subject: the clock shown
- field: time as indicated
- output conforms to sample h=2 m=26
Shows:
h=9 m=57
